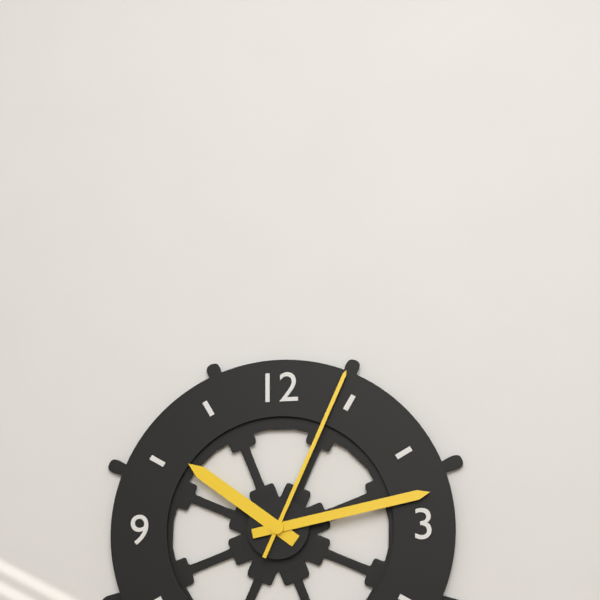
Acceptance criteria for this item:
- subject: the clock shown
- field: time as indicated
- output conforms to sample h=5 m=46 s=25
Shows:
h=10 m=13 s=4
